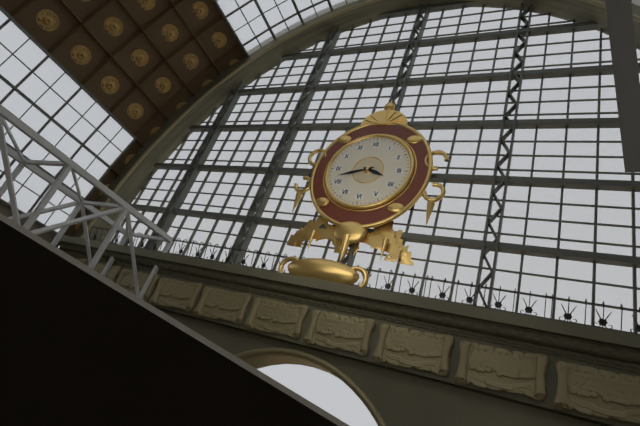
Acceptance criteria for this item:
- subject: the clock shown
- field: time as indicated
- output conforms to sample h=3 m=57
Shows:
h=3 m=42
